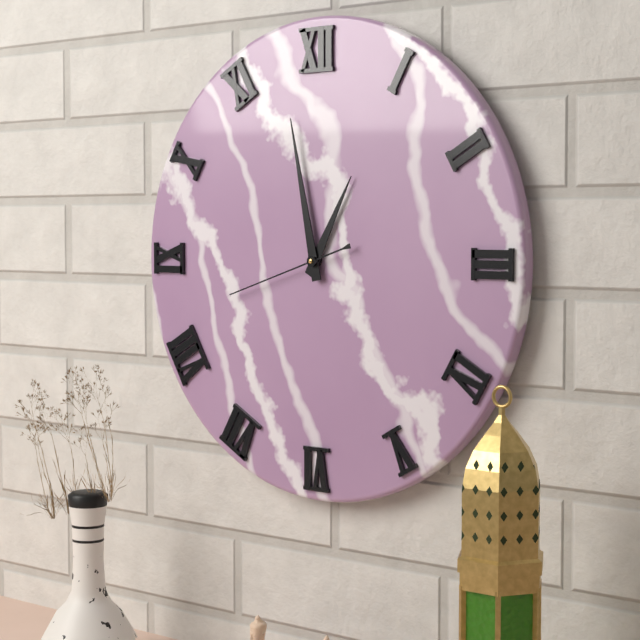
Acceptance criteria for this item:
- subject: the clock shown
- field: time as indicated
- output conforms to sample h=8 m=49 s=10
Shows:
h=12 m=58 s=42
